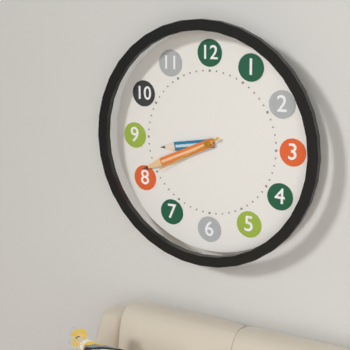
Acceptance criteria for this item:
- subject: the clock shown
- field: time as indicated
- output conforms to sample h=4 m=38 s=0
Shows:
h=8 m=41 s=40
